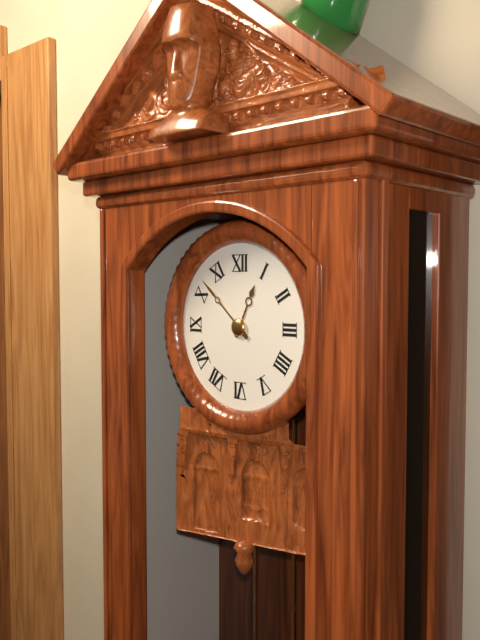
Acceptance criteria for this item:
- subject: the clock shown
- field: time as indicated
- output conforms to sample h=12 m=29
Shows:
h=12 m=52
